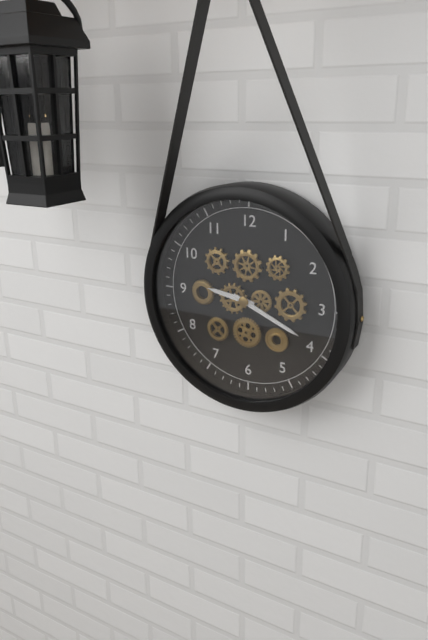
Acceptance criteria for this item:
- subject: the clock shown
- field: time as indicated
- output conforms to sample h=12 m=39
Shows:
h=9 m=19
